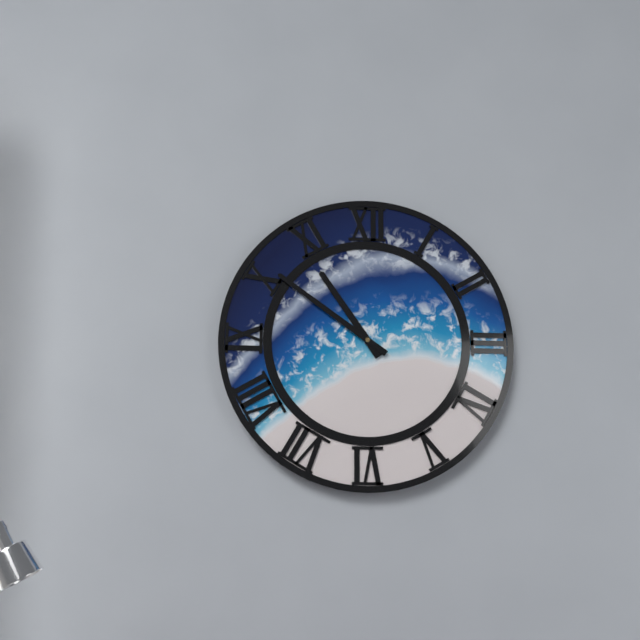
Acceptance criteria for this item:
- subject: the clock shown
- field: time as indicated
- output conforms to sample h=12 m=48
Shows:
h=10 m=51
